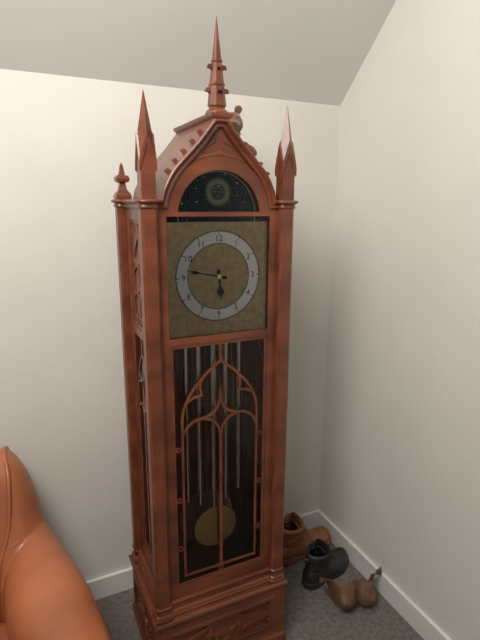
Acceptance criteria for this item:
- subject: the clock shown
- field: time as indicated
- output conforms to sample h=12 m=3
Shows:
h=5 m=47
